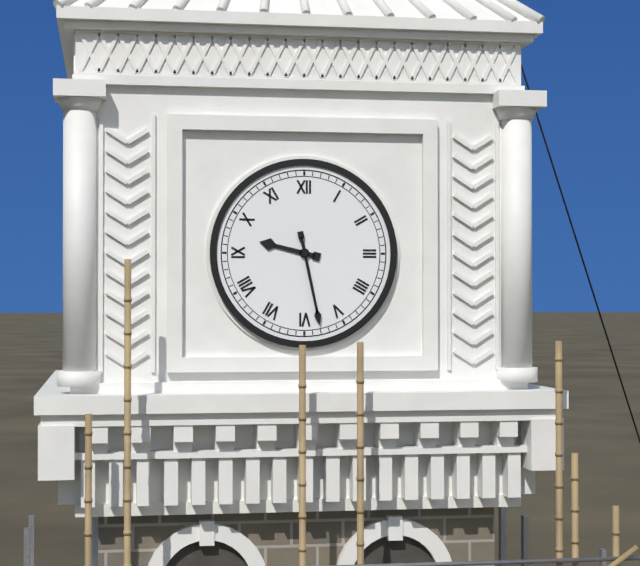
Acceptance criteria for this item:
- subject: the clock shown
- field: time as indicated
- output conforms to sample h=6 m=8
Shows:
h=9 m=28
